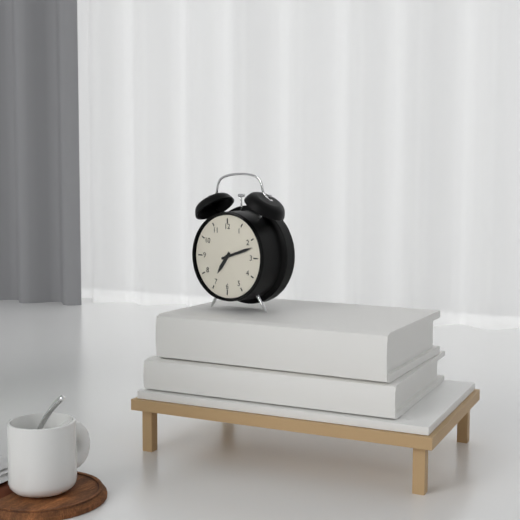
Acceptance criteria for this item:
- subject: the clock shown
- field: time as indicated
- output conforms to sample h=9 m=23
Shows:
h=7 m=12
